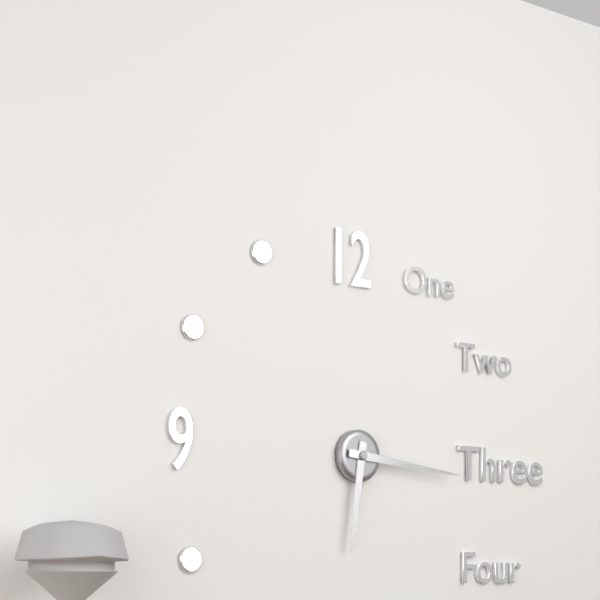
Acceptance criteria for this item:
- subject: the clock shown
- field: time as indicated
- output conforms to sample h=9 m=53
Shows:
h=6 m=16
